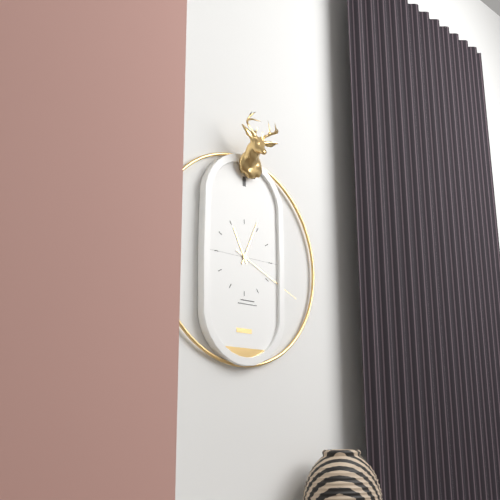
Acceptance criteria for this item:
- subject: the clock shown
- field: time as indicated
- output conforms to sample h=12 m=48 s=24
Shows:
h=11 m=4 s=19
